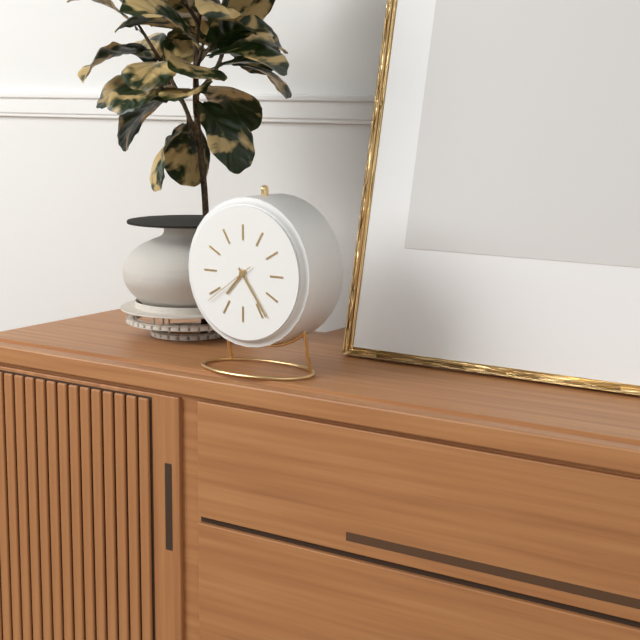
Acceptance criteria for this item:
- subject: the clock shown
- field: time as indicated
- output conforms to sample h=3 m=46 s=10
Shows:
h=7 m=24 s=39
